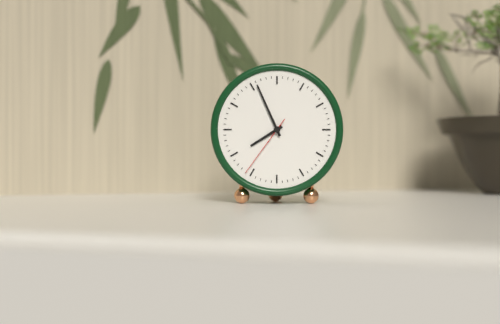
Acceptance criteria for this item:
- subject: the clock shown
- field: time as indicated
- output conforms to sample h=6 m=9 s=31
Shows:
h=7 m=56 s=36
